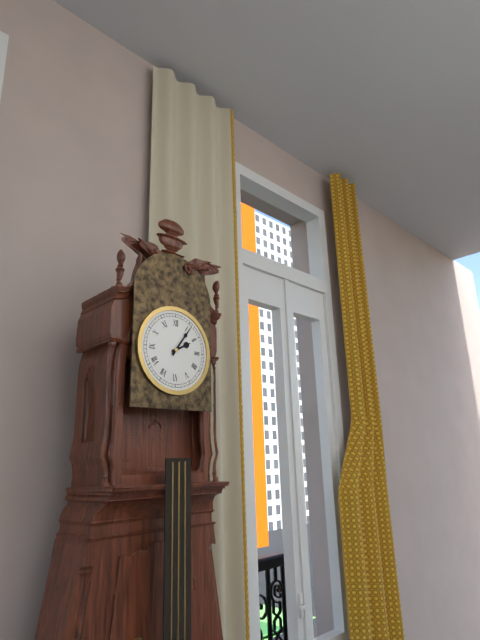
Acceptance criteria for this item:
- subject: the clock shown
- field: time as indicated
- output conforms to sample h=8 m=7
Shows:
h=2 m=6
